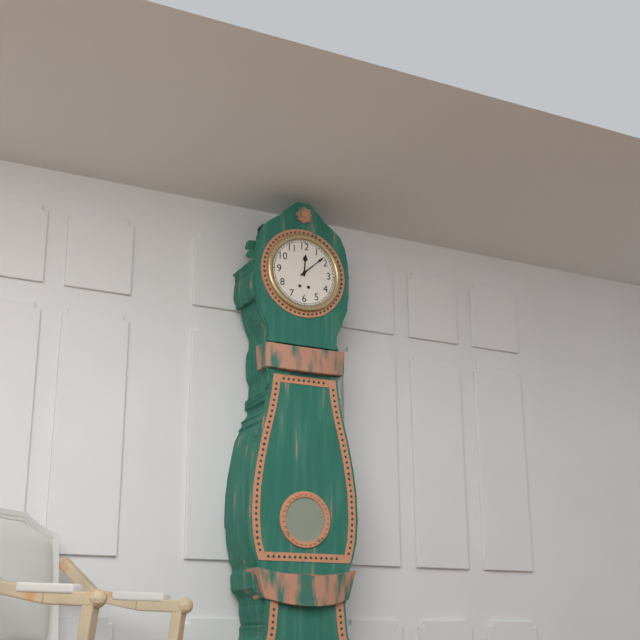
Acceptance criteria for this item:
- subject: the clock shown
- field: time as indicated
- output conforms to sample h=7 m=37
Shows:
h=12 m=8
